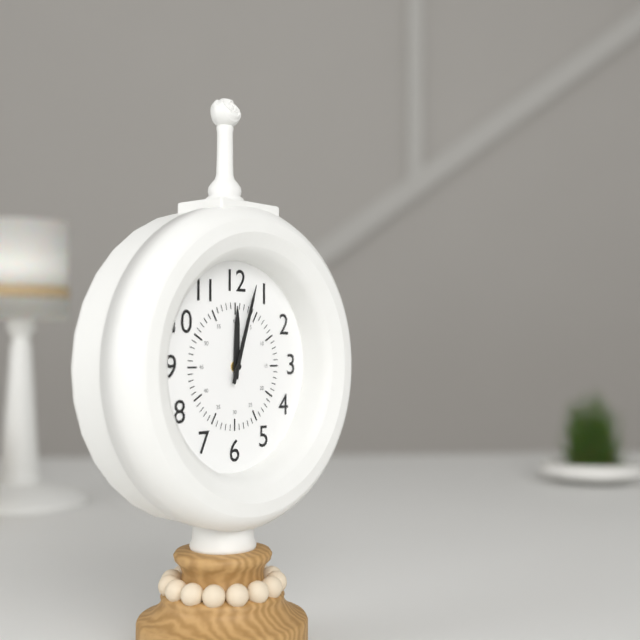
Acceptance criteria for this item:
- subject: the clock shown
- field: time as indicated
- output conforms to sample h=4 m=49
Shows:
h=12 m=3
